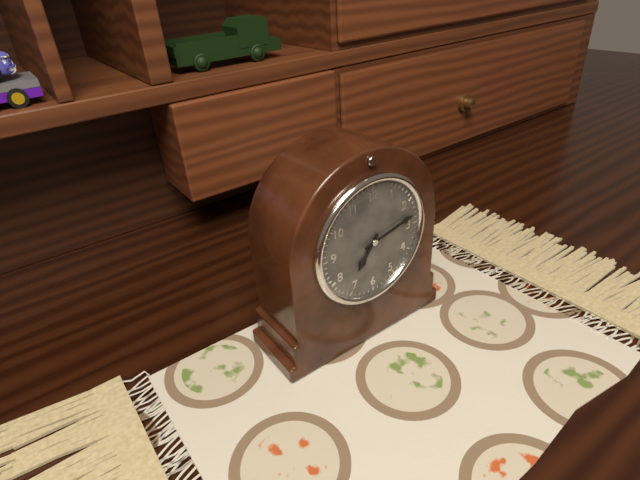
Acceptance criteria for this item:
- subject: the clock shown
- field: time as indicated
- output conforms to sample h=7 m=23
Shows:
h=7 m=13
